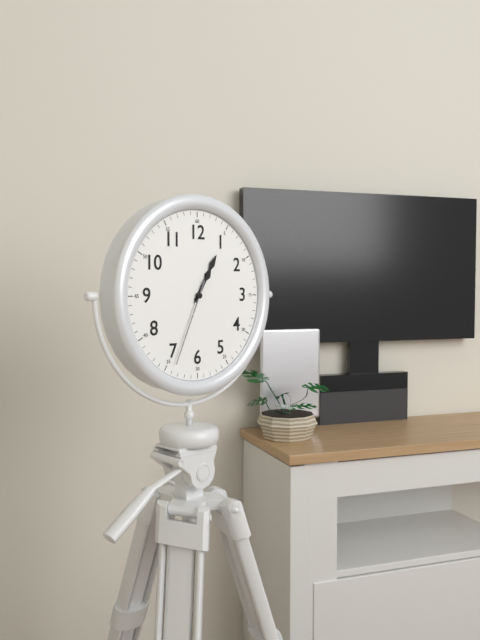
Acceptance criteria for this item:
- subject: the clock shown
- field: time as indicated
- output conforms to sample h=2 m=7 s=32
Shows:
h=1 m=5 s=34
